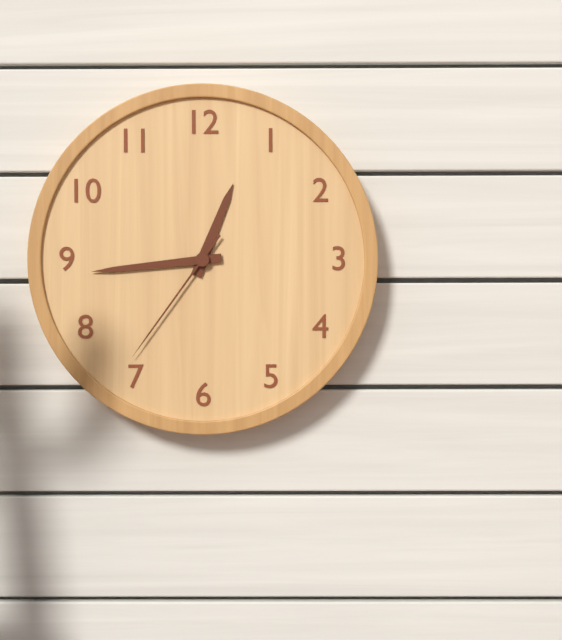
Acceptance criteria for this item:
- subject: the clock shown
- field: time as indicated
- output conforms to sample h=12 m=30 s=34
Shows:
h=12 m=44 s=36
